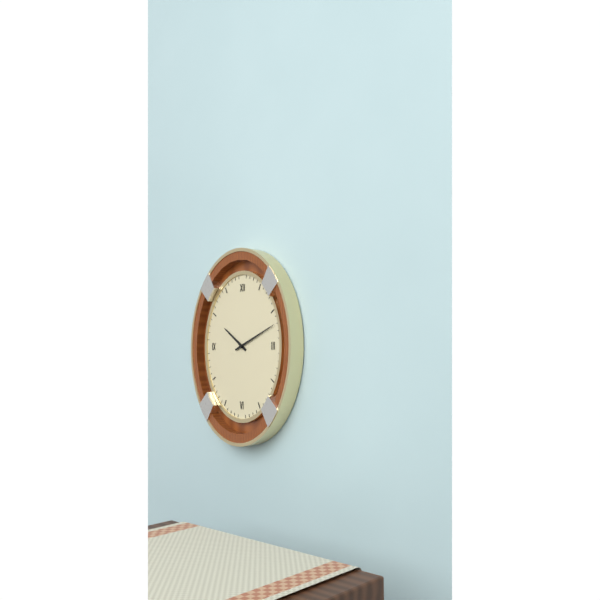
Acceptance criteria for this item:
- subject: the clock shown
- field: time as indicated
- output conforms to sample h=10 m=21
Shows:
h=10 m=11
